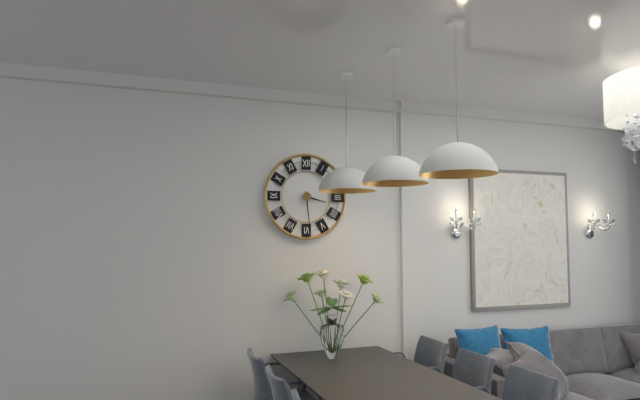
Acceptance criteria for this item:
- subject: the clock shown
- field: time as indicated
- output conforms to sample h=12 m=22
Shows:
h=3 m=29
